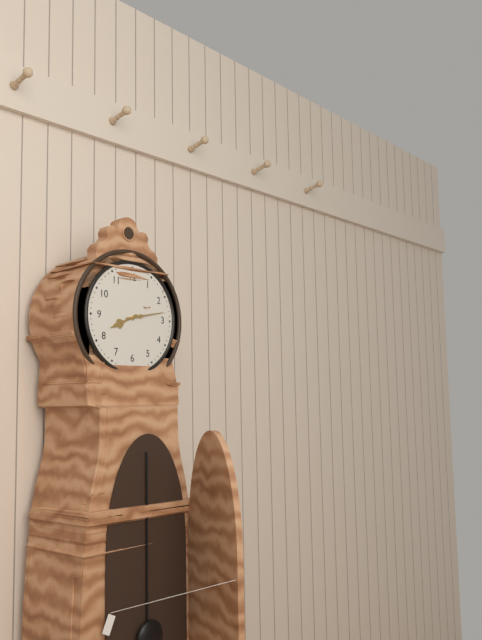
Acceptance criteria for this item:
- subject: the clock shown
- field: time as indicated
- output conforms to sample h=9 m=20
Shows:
h=8 m=13
